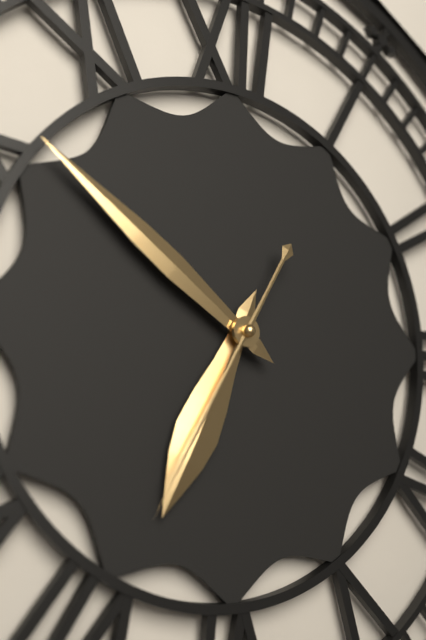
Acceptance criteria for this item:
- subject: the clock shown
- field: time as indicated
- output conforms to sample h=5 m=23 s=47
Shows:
h=6 m=51 s=35
